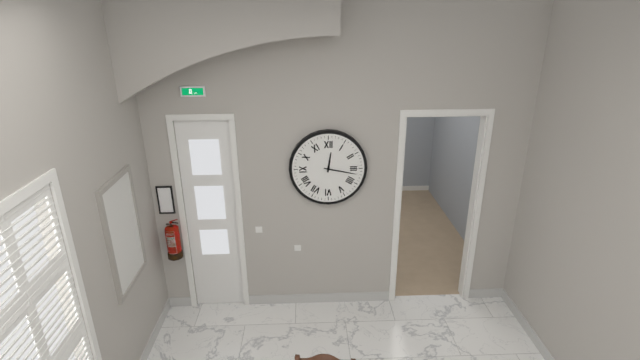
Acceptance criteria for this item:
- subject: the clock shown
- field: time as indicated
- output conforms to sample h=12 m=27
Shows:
h=12 m=17
